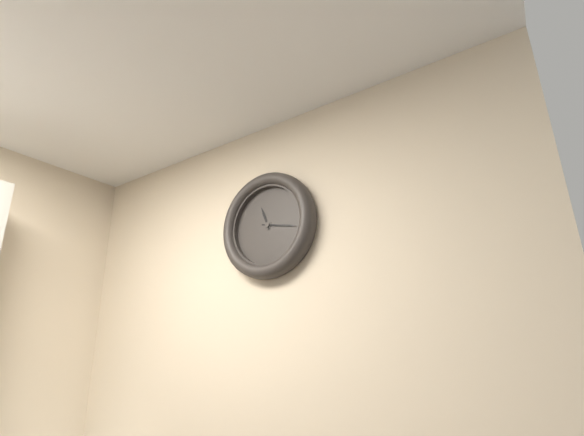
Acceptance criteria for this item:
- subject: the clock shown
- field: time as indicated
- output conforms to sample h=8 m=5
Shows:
h=11 m=17
